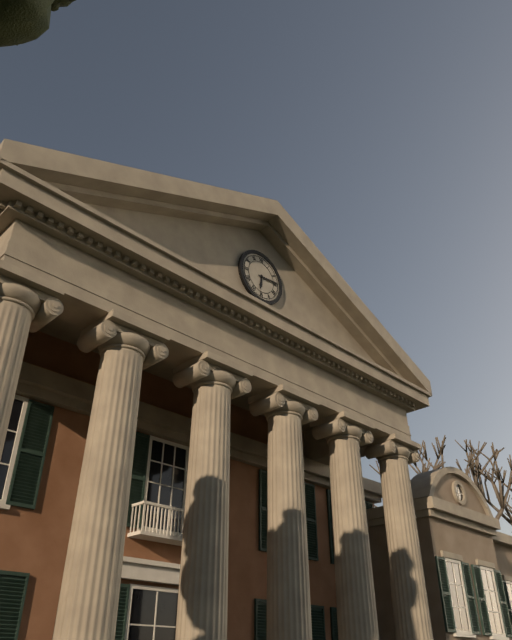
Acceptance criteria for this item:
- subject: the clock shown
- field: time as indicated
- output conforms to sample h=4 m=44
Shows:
h=6 m=14
